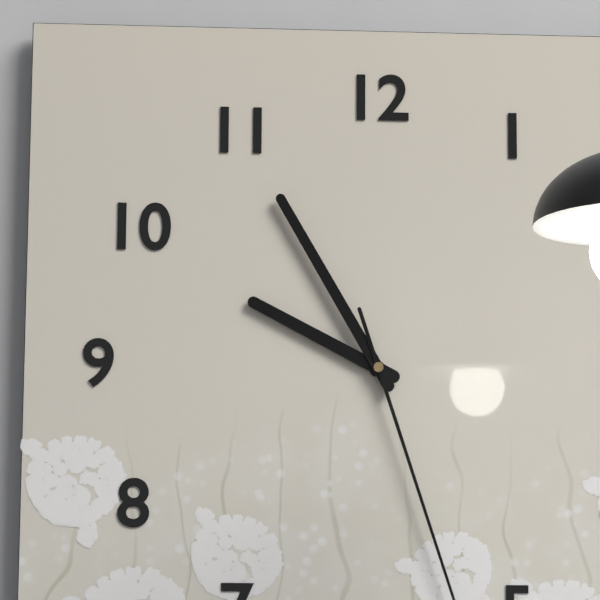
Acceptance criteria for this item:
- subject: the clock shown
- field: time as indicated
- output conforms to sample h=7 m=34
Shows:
h=9 m=55
